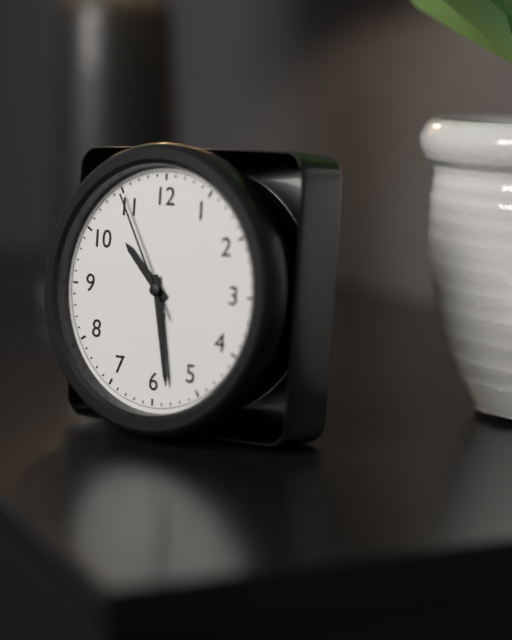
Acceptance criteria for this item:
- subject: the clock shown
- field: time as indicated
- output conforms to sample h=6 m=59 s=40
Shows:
h=10 m=28 s=55
